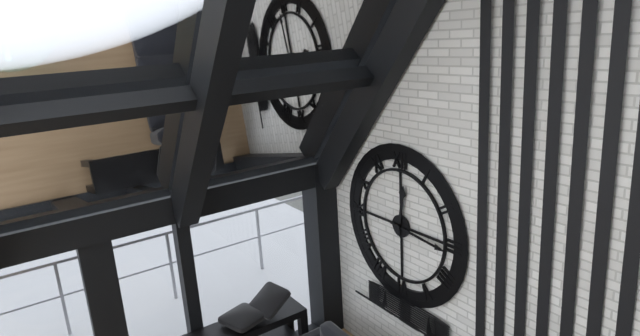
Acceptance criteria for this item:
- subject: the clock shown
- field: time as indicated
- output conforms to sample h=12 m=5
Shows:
h=12 m=16
